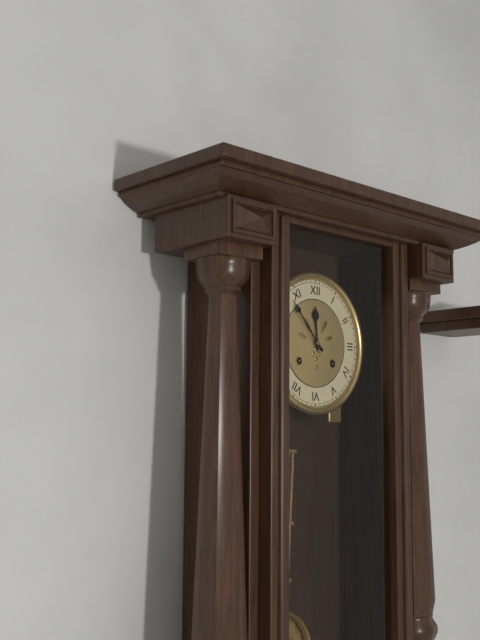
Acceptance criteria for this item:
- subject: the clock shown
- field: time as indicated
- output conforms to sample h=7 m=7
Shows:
h=11 m=53
